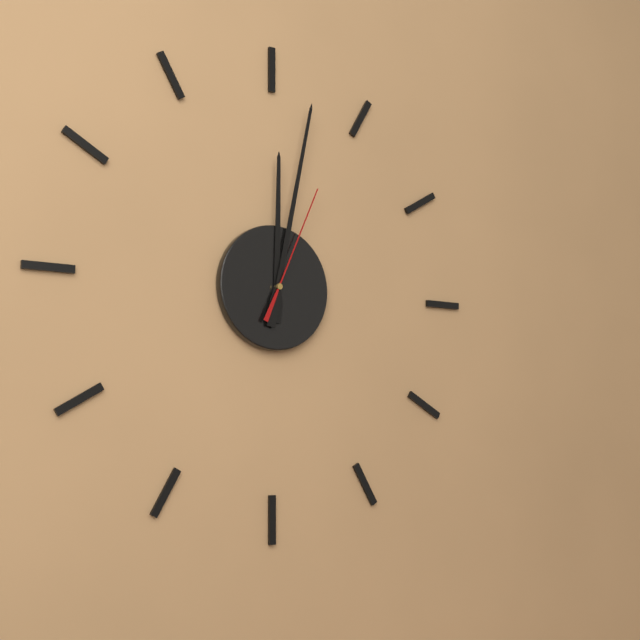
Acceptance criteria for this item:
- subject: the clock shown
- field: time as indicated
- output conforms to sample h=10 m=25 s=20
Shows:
h=12 m=2 s=4
